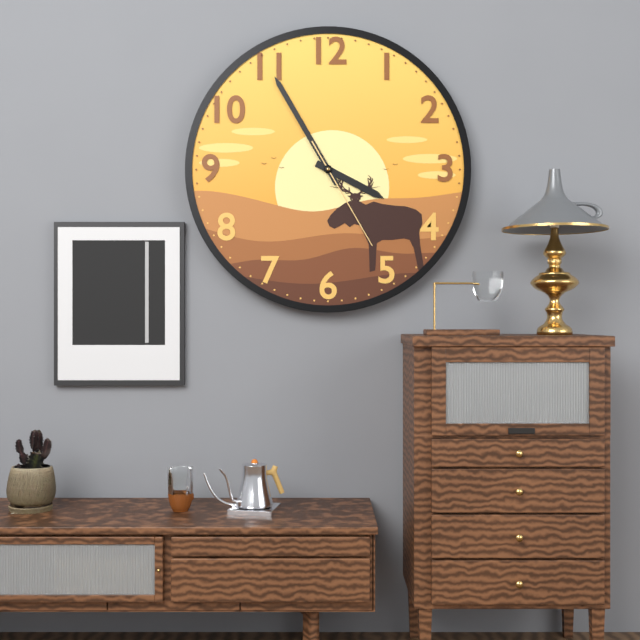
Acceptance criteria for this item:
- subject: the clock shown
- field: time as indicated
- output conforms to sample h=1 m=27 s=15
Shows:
h=3 m=55 s=25
